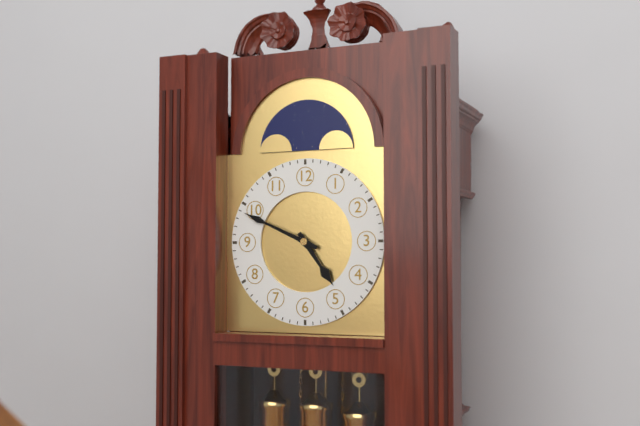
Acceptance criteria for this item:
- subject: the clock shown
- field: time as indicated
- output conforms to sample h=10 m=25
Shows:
h=4 m=49
